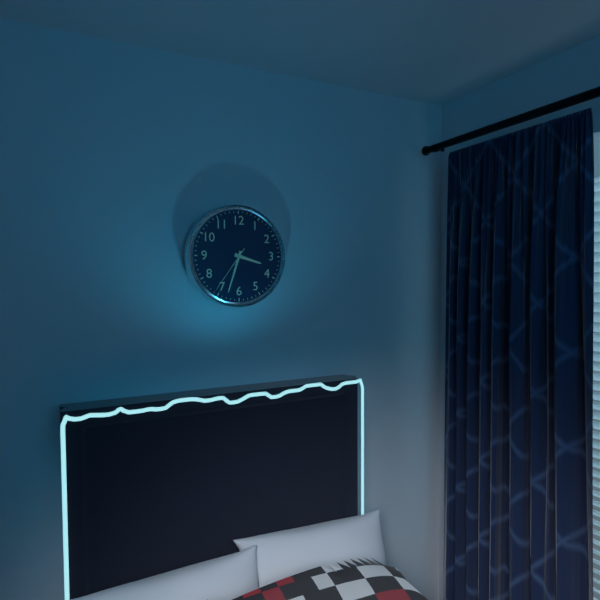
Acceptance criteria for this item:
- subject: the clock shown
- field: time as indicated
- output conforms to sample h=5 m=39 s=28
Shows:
h=3 m=33 s=36
